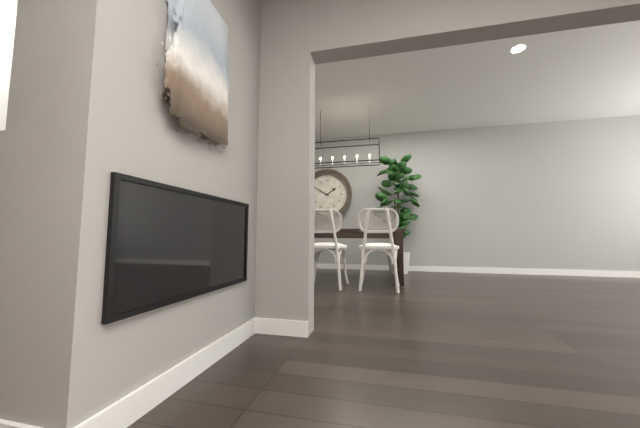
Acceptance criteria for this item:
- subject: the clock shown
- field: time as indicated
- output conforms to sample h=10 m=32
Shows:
h=1 m=50
